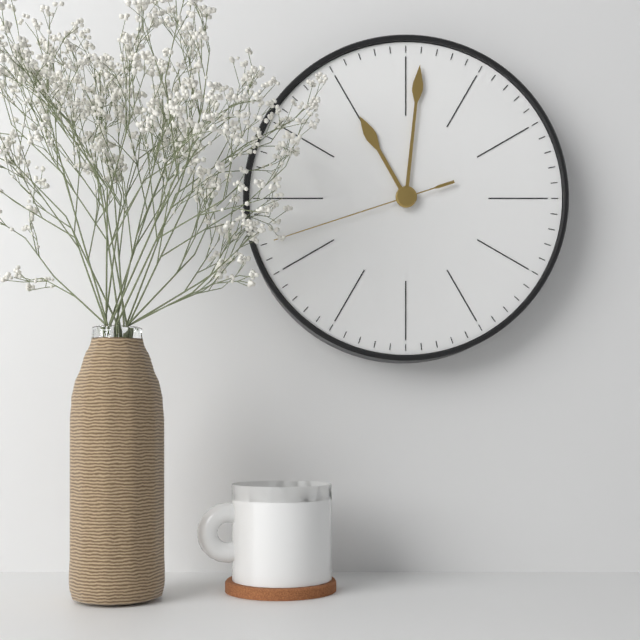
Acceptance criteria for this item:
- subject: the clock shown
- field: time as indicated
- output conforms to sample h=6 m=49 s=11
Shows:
h=11 m=1 s=42
